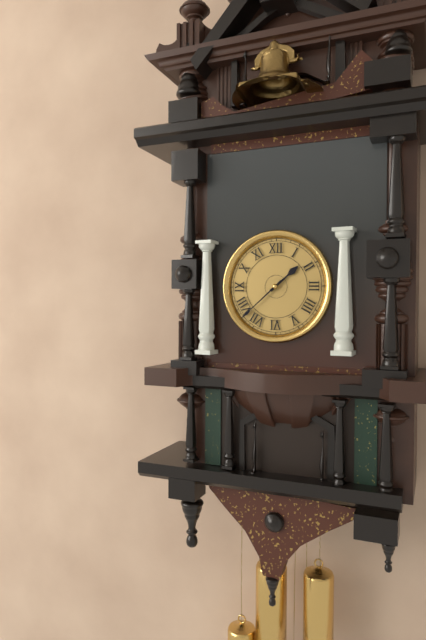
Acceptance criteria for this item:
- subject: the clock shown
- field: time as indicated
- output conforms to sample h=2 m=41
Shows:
h=1 m=38
